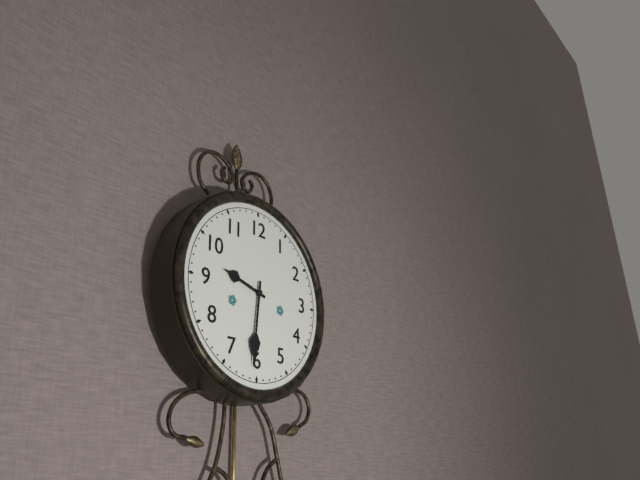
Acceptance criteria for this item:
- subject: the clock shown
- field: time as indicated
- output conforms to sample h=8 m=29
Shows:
h=9 m=31
